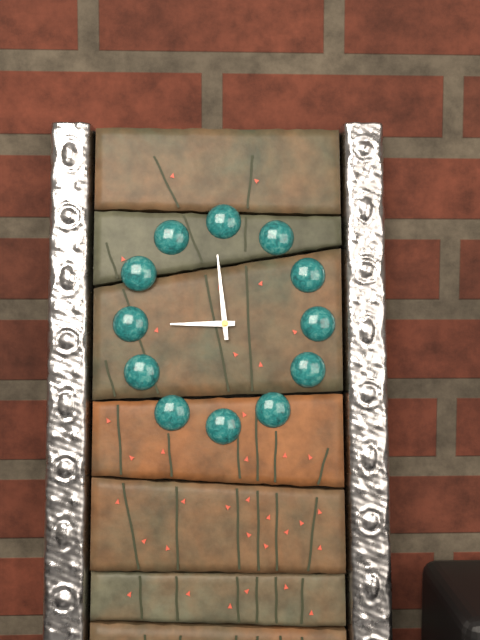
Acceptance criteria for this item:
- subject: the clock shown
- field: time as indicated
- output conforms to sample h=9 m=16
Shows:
h=8 m=59
